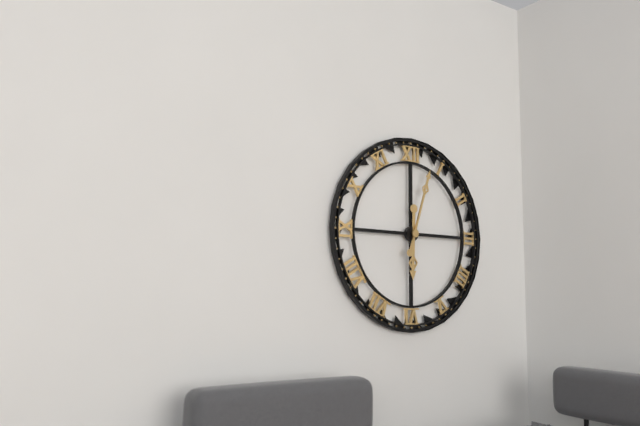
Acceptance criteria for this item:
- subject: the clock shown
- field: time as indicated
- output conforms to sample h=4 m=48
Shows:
h=6 m=3
